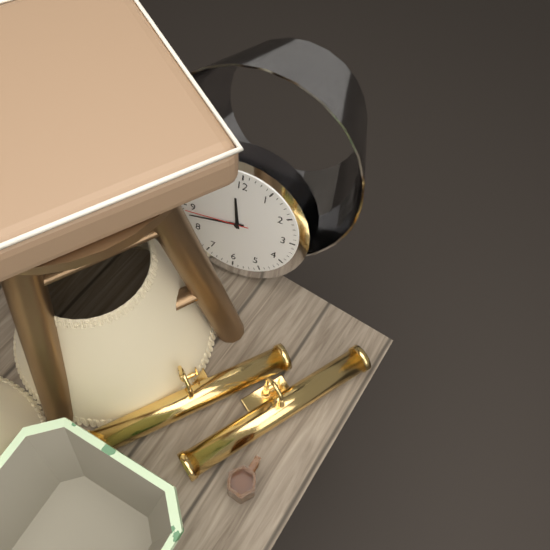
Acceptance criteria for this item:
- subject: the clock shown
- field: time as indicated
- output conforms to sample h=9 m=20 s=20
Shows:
h=11 m=43 s=44
